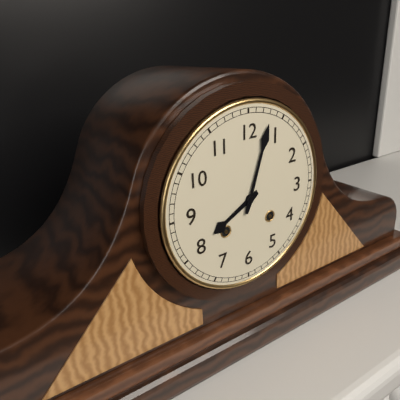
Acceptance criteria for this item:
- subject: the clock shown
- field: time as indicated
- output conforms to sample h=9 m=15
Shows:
h=8 m=3
